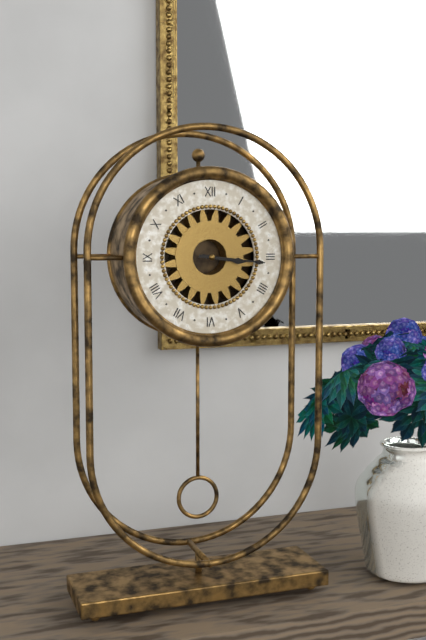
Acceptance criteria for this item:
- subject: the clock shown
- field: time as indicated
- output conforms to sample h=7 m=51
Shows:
h=3 m=16
